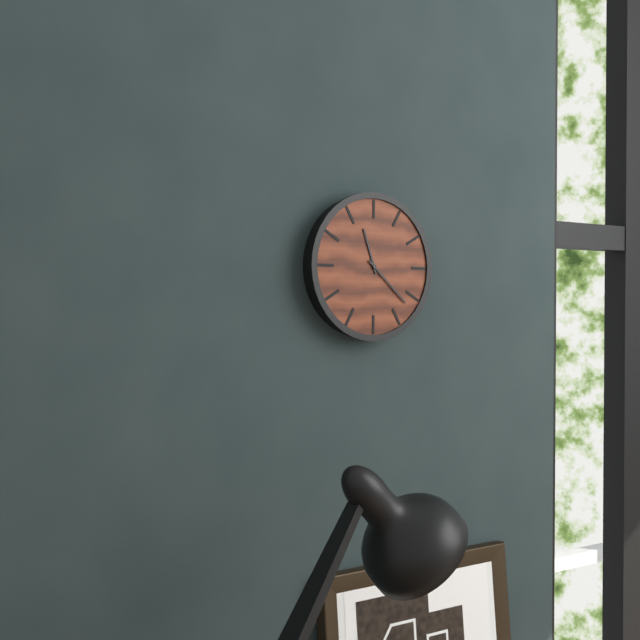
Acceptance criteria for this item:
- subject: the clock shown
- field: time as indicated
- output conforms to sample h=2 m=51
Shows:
h=11 m=22
